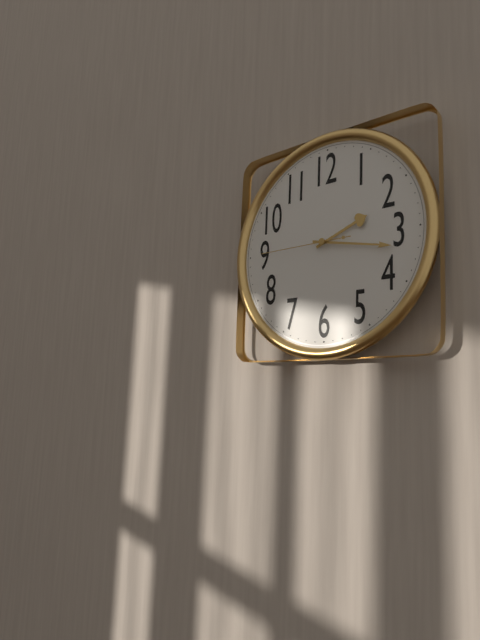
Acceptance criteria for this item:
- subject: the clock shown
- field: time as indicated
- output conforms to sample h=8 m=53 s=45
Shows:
h=2 m=17 s=45
